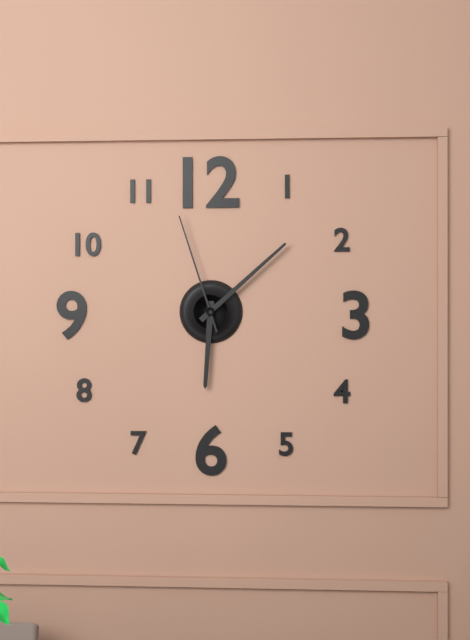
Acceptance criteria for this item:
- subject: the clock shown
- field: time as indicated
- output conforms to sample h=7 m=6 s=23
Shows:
h=6 m=8 s=57
